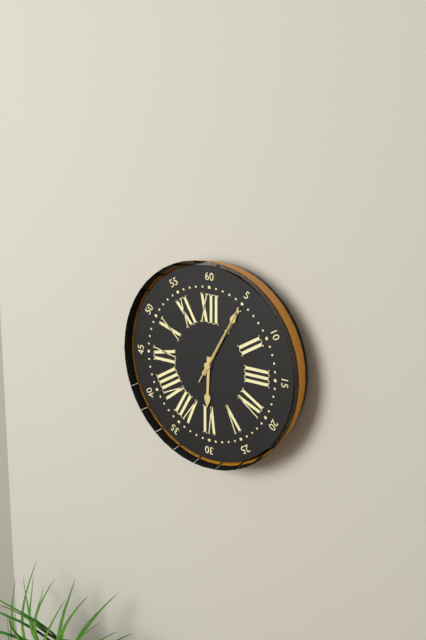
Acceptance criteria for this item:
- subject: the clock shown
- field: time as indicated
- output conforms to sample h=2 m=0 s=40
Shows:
h=6 m=5 s=5
